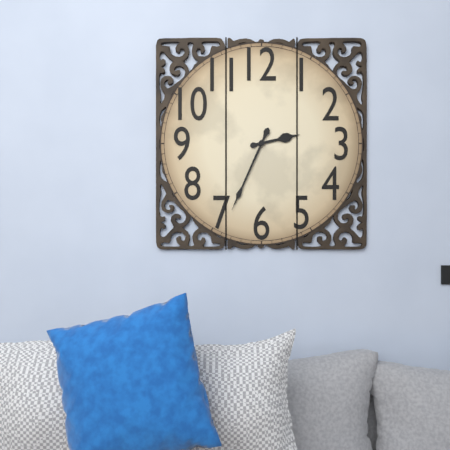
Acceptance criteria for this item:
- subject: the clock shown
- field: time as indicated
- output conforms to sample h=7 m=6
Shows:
h=2 m=34
